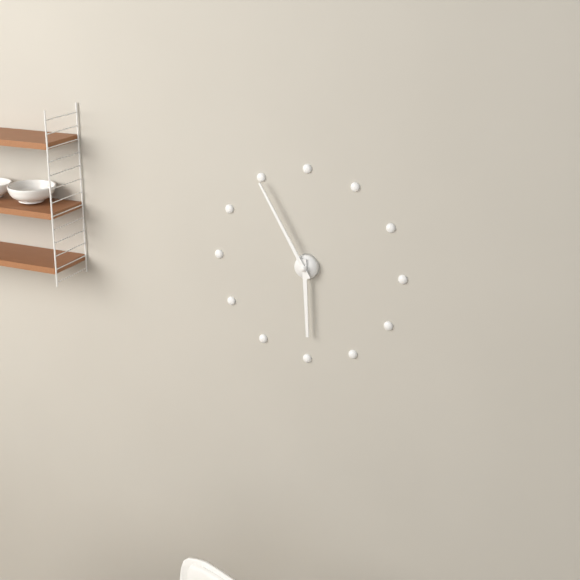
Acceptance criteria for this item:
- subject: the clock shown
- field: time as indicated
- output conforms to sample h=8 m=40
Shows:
h=5 m=55
